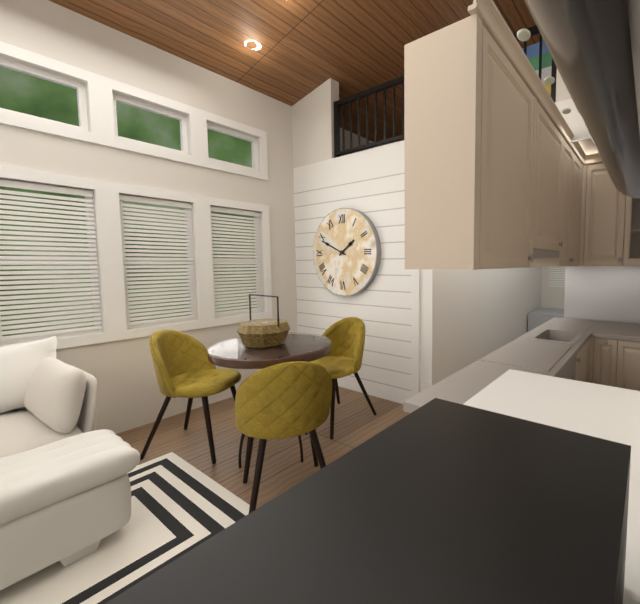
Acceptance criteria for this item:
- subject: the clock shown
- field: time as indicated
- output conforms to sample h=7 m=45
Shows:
h=1 m=49
